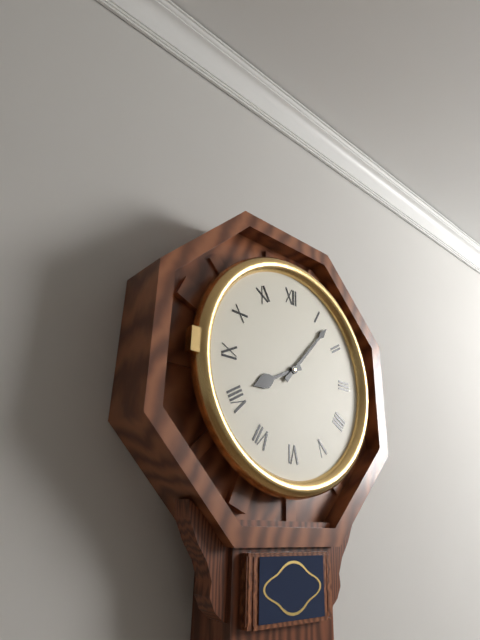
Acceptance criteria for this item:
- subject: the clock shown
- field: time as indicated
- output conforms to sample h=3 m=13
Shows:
h=8 m=7
